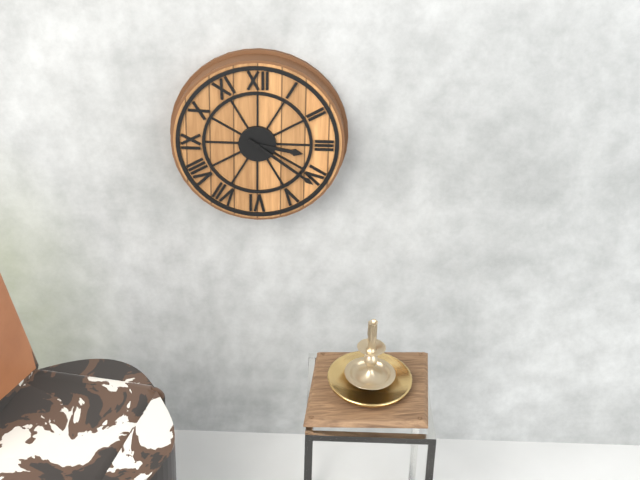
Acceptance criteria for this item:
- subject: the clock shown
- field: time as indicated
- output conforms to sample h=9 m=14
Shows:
h=3 m=21
